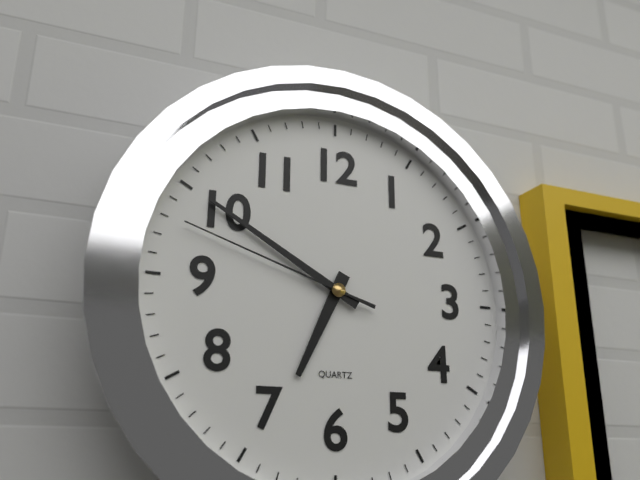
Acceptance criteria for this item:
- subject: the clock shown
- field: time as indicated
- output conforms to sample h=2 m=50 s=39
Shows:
h=6 m=50 s=48
